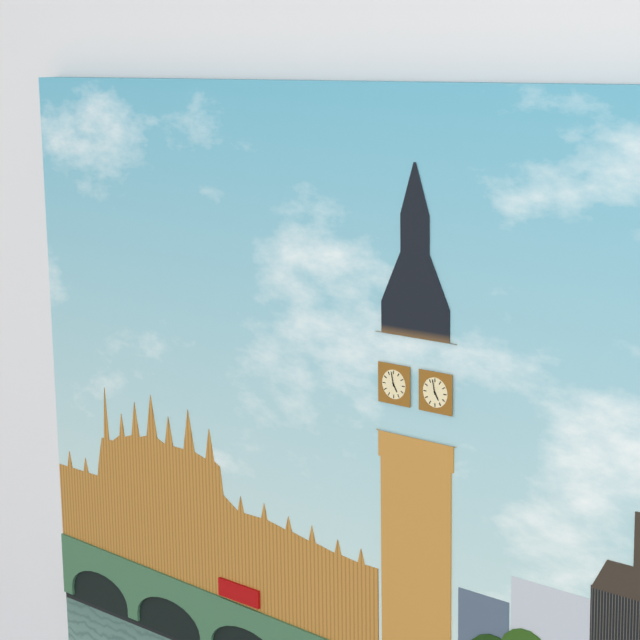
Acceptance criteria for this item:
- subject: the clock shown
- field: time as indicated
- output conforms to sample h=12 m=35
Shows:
h=4 m=58
